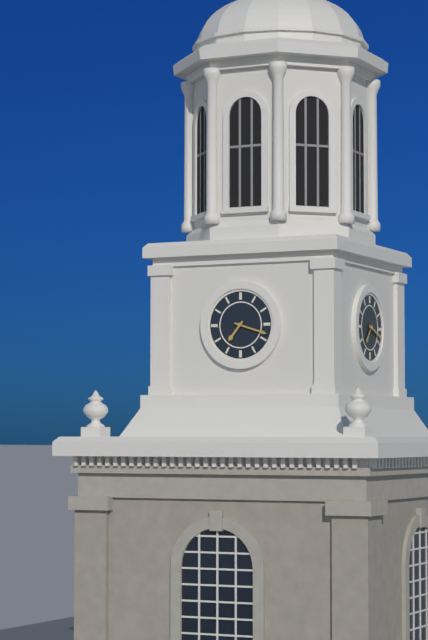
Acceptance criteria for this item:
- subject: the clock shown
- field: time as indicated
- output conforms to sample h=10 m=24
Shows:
h=7 m=18
